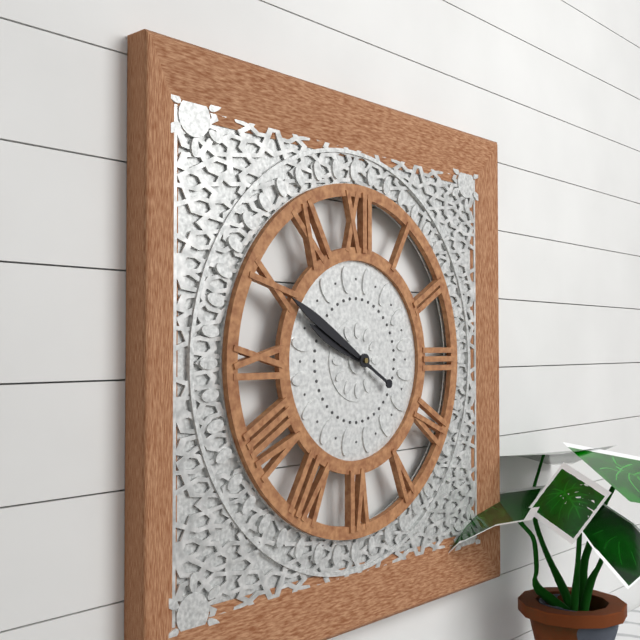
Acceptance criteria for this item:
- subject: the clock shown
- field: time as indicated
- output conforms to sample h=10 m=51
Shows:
h=9 m=50
